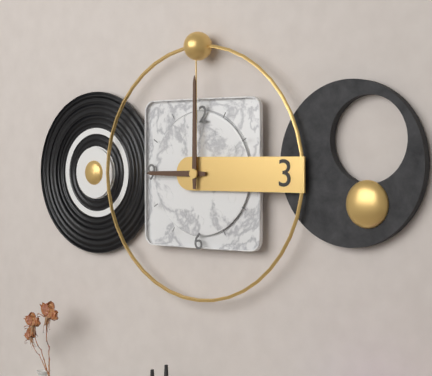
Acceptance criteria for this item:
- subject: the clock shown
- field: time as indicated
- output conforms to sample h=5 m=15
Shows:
h=9 m=0
